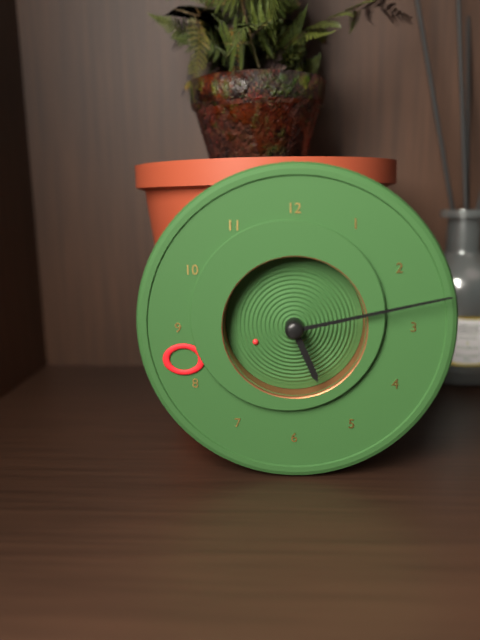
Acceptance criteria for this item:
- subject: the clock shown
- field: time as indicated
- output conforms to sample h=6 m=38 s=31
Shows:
h=5 m=13 s=41
